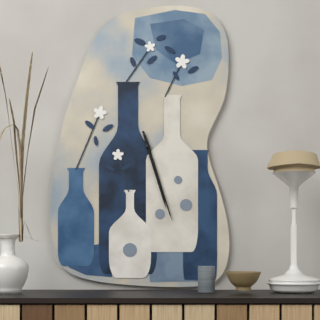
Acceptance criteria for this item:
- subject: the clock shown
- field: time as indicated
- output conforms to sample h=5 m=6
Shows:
h=5 m=27
